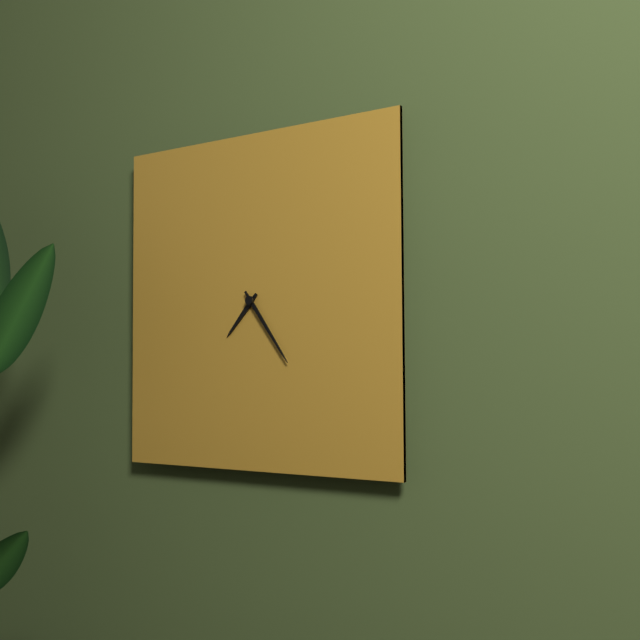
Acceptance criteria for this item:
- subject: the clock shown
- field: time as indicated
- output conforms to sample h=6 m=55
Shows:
h=7 m=24
